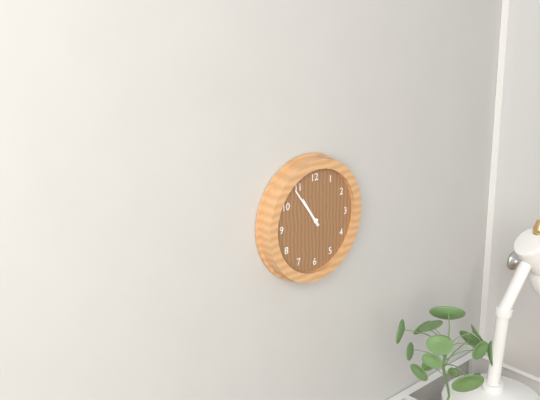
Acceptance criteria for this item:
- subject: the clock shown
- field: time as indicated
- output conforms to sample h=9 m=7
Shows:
h=10 m=54
